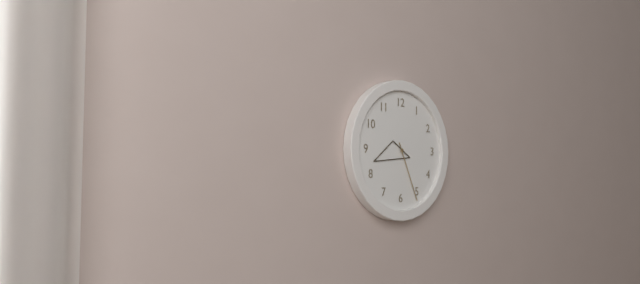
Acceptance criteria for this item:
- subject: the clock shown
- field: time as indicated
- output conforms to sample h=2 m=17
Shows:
h=8 m=26
